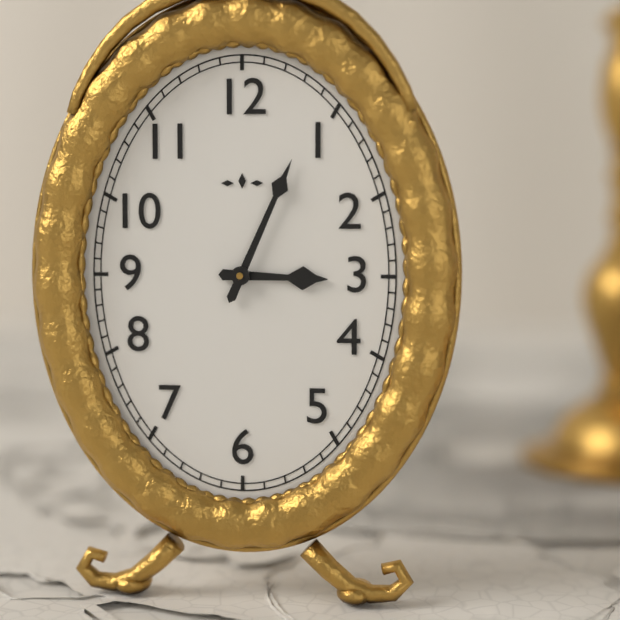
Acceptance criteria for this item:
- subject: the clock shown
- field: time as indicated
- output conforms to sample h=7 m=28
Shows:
h=3 m=4
